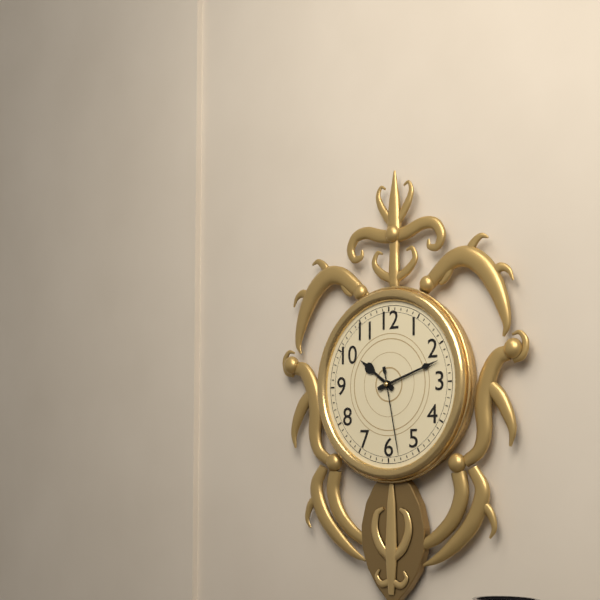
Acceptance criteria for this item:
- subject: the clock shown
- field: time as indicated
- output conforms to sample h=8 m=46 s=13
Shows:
h=10 m=12 s=28
